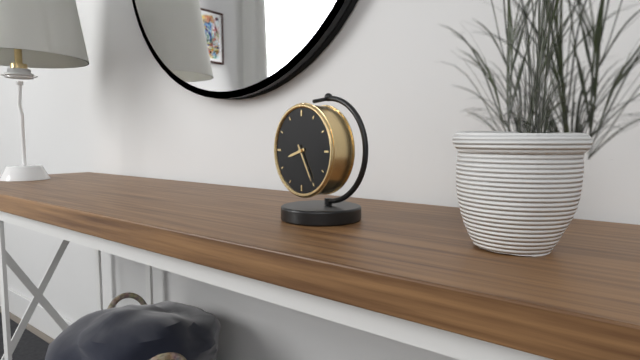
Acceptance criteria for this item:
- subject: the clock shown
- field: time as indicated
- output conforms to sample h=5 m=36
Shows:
h=8 m=25
